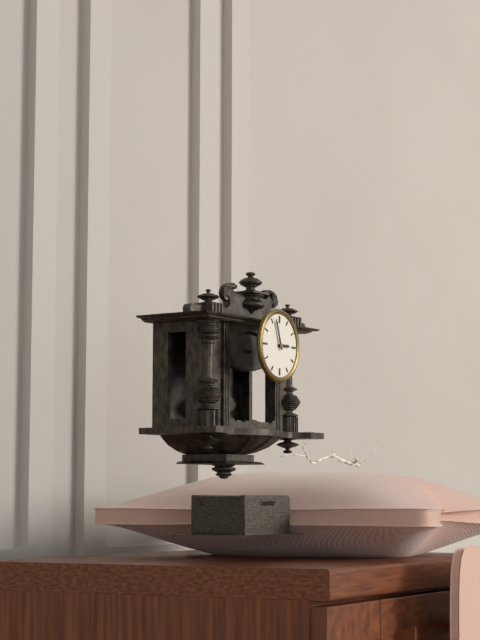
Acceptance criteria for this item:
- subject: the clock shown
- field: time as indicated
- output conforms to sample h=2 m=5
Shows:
h=2 m=57
